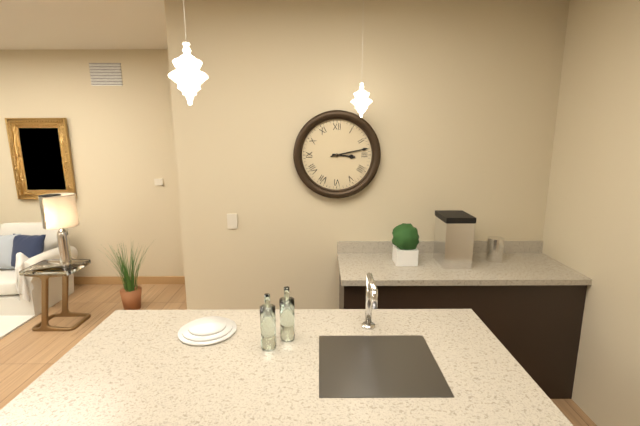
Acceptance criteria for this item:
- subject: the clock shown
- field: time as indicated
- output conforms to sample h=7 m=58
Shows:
h=3 m=13
